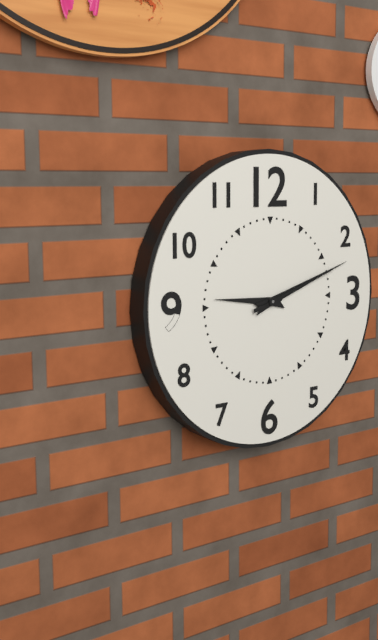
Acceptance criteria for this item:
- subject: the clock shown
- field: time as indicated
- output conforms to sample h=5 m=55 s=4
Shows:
h=9 m=12 s=12
